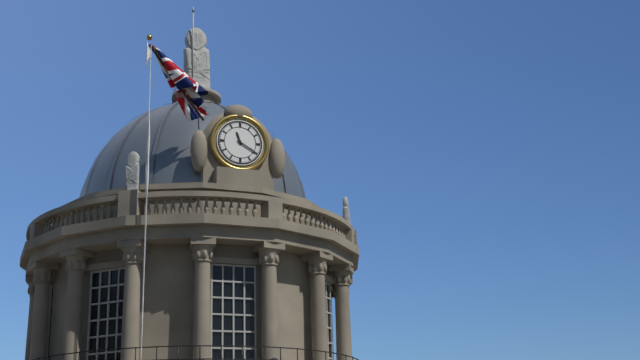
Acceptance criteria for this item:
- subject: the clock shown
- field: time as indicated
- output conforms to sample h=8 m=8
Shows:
h=11 m=20
